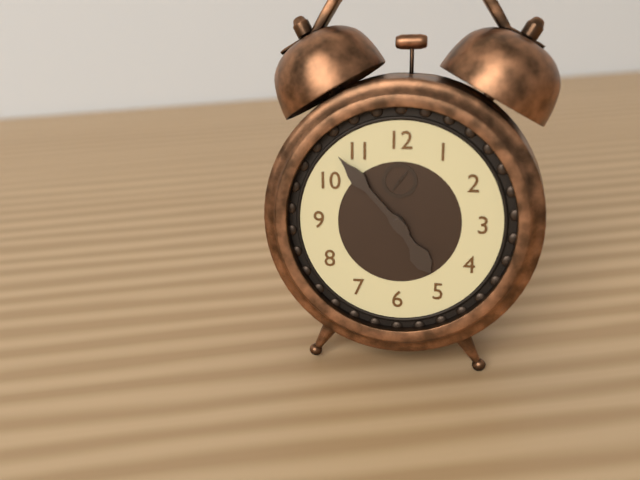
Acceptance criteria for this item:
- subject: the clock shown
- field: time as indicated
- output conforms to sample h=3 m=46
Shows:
h=4 m=53
